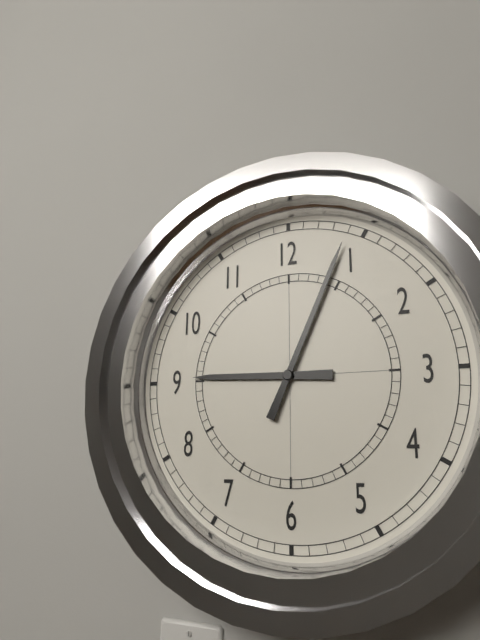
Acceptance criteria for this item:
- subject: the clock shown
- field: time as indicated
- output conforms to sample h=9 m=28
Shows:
h=9 m=4
